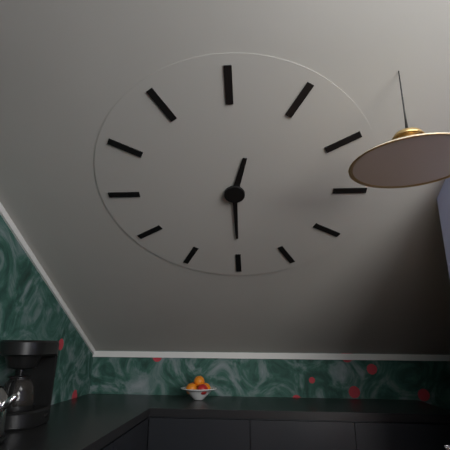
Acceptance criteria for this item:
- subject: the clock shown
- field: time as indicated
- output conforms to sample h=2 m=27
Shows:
h=12 m=30
